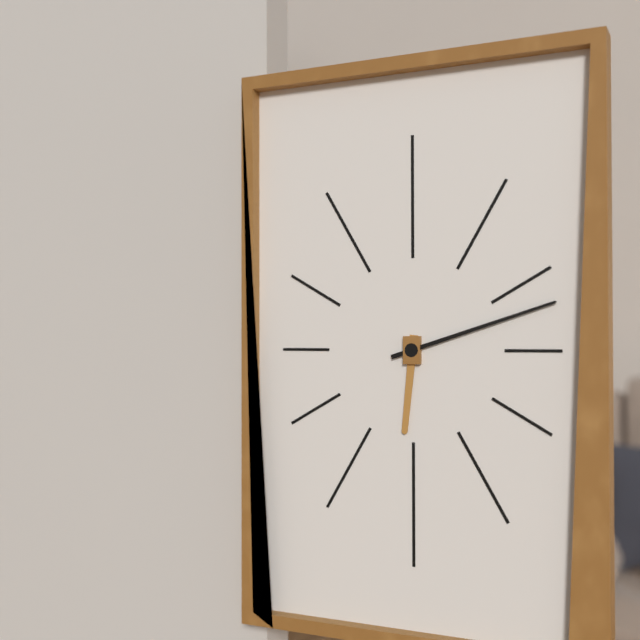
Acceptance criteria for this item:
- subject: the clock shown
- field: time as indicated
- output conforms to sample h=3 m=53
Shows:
h=6 m=12
